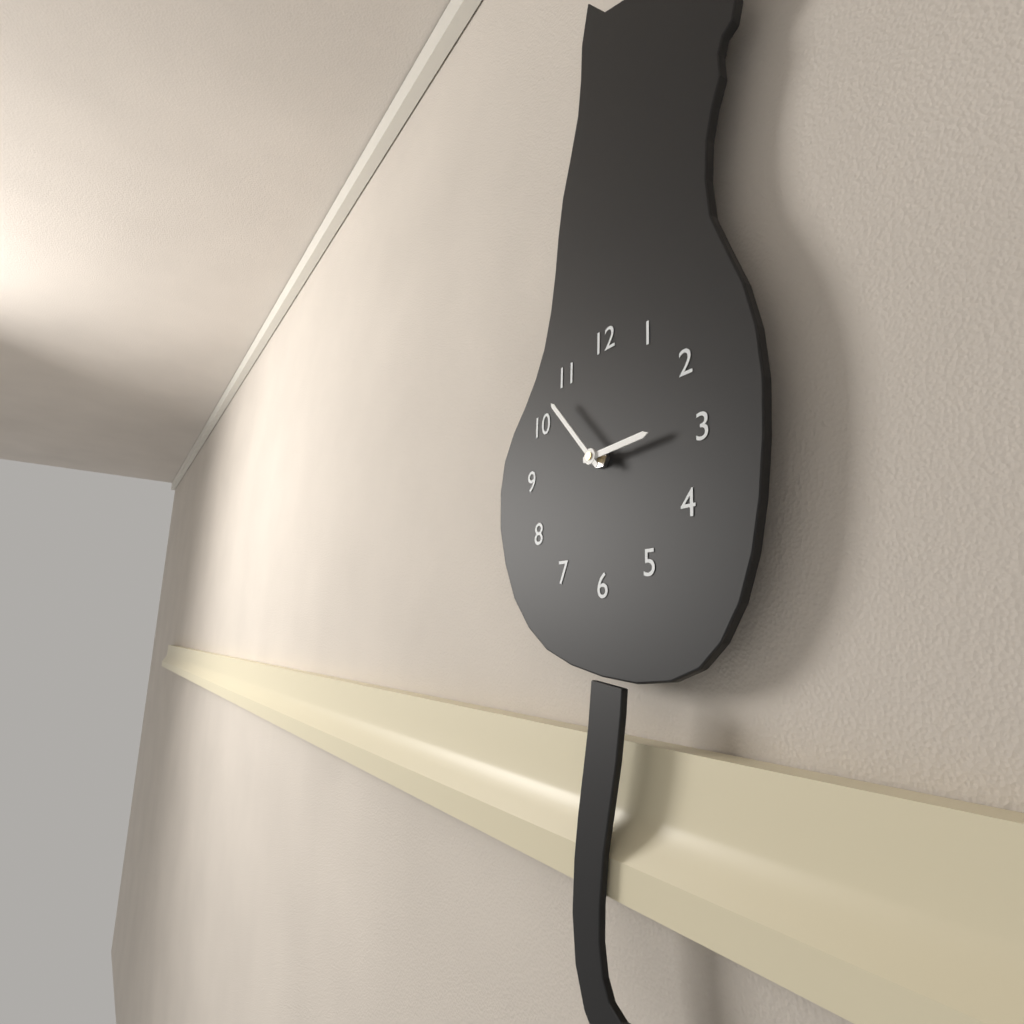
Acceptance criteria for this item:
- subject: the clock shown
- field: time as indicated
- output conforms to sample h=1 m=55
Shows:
h=2 m=53
